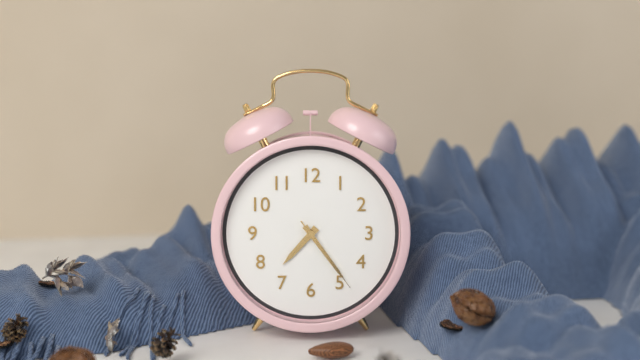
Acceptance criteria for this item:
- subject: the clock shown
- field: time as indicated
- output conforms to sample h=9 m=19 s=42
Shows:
h=7 m=24 s=24
